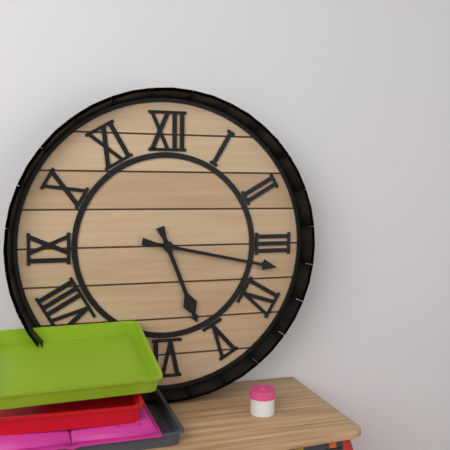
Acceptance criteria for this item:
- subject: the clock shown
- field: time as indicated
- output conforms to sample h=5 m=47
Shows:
h=5 m=17
